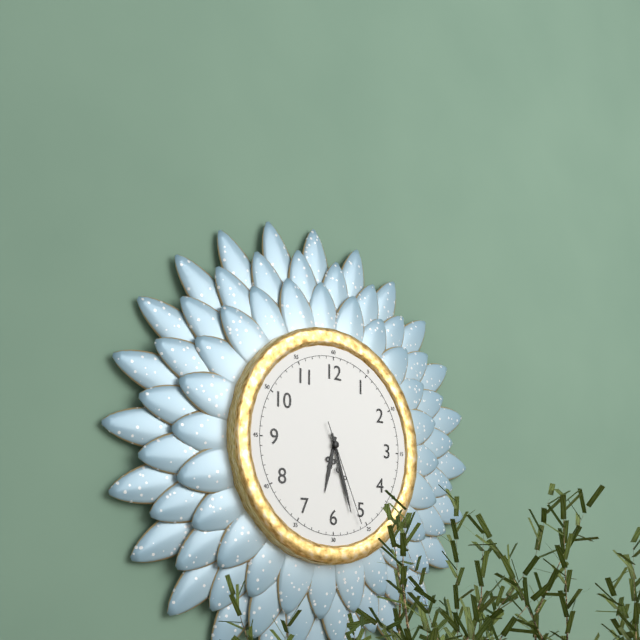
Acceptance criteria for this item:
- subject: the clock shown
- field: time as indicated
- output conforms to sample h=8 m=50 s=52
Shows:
h=6 m=27 s=26
